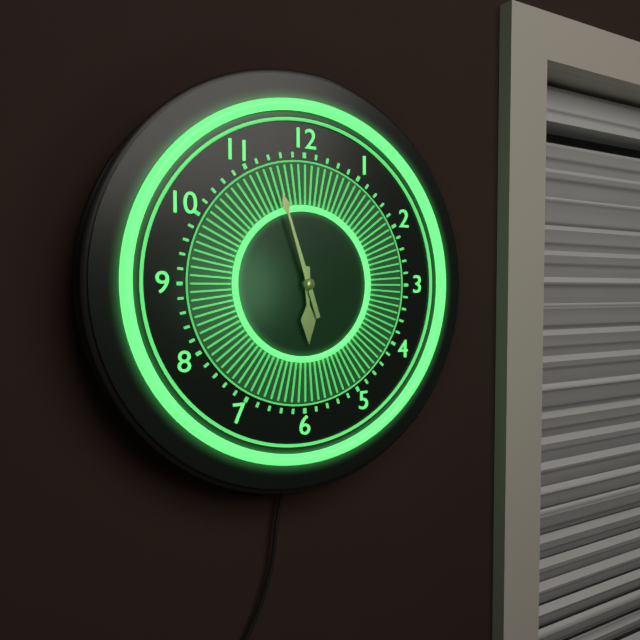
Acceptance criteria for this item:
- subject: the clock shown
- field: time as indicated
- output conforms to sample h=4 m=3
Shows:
h=5 m=57
